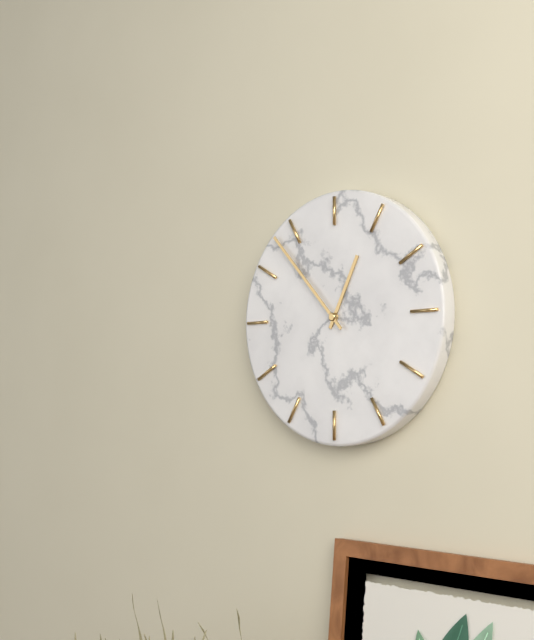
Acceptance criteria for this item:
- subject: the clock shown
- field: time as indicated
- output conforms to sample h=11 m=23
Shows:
h=12 m=53
